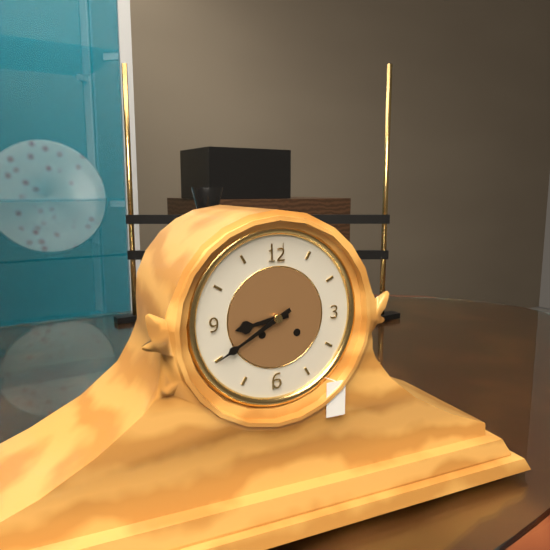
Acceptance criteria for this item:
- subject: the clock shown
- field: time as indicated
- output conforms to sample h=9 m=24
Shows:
h=8 m=40
